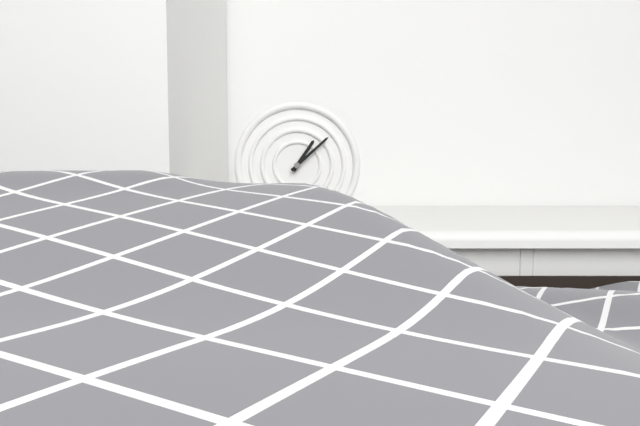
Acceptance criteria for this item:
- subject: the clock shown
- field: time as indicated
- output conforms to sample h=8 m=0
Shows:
h=1 m=8
